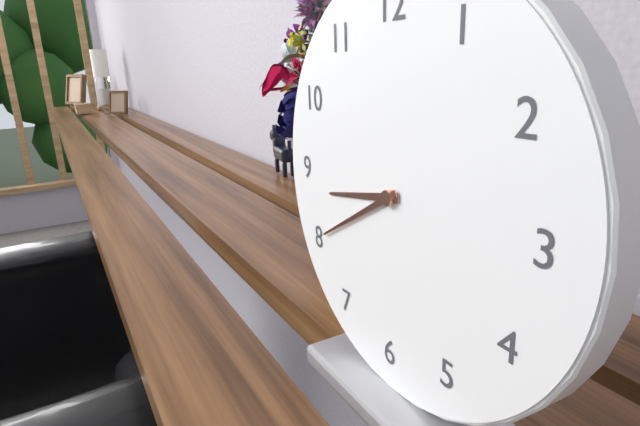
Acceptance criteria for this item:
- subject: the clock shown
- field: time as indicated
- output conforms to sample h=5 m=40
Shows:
h=8 m=40
